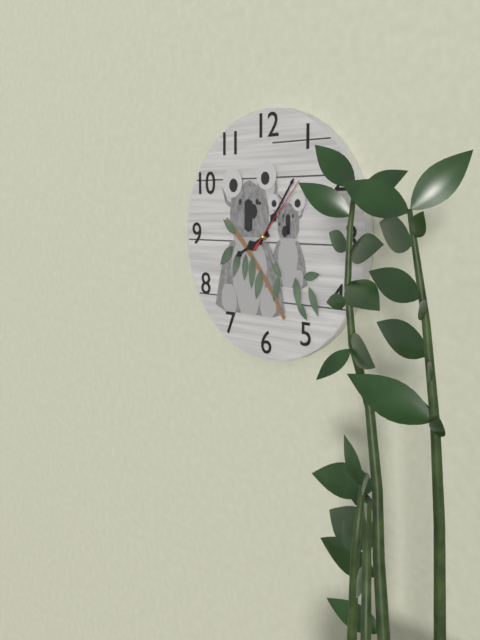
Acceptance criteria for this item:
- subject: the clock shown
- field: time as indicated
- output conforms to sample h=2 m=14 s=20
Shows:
h=8 m=6 s=7
